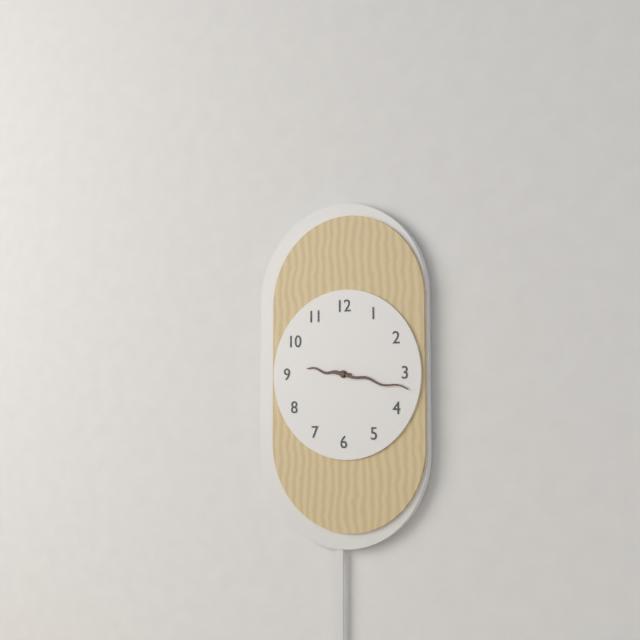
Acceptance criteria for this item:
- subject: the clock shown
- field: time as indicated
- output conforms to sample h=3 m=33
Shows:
h=9 m=17
